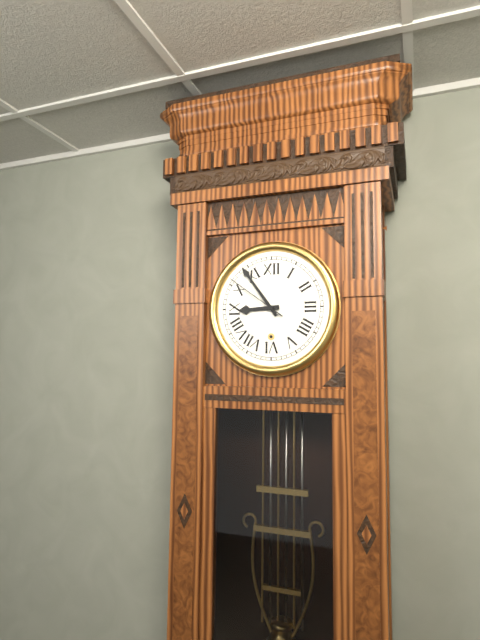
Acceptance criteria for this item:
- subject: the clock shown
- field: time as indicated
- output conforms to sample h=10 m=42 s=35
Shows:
h=8 m=54 s=51
